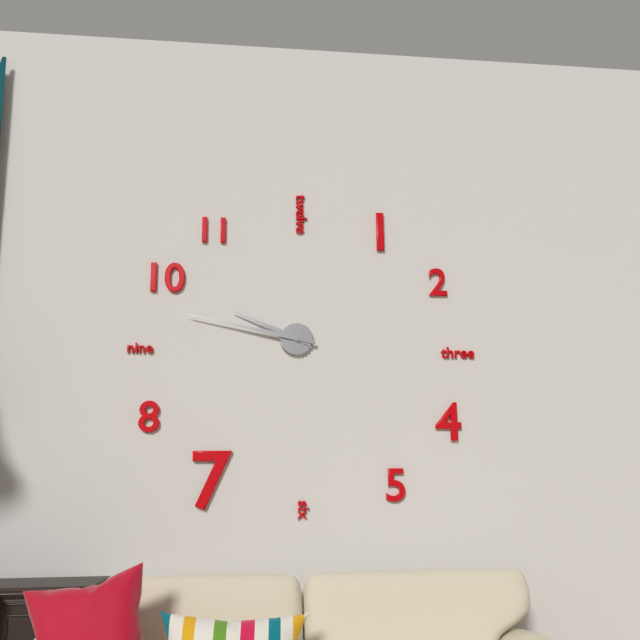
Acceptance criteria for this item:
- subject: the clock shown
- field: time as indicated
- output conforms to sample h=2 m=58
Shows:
h=9 m=47
